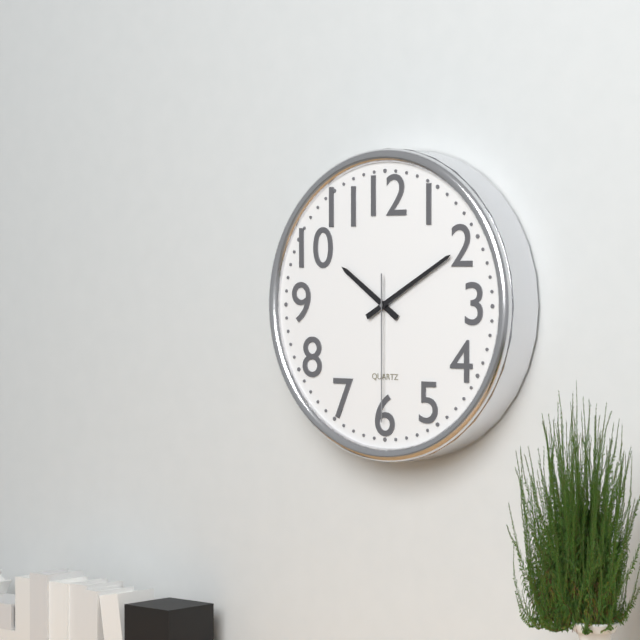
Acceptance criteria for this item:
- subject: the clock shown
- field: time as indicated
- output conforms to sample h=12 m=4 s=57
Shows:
h=10 m=10 s=30
